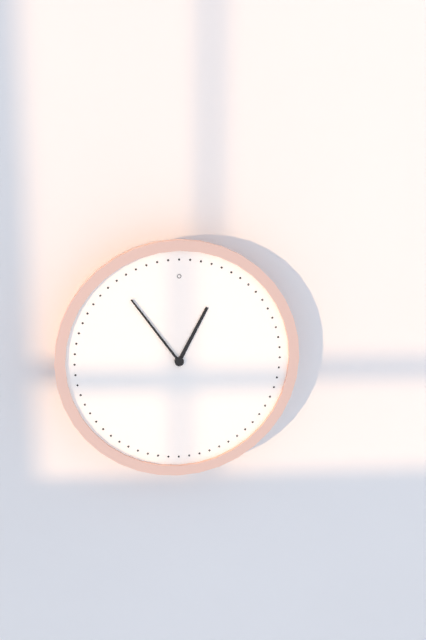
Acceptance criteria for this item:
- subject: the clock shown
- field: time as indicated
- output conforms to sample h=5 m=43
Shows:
h=12 m=54
